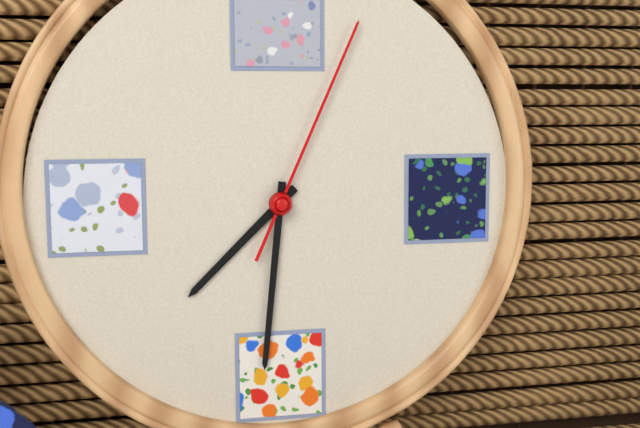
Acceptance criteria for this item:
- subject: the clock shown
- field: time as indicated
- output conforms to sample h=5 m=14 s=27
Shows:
h=7 m=31 s=4
